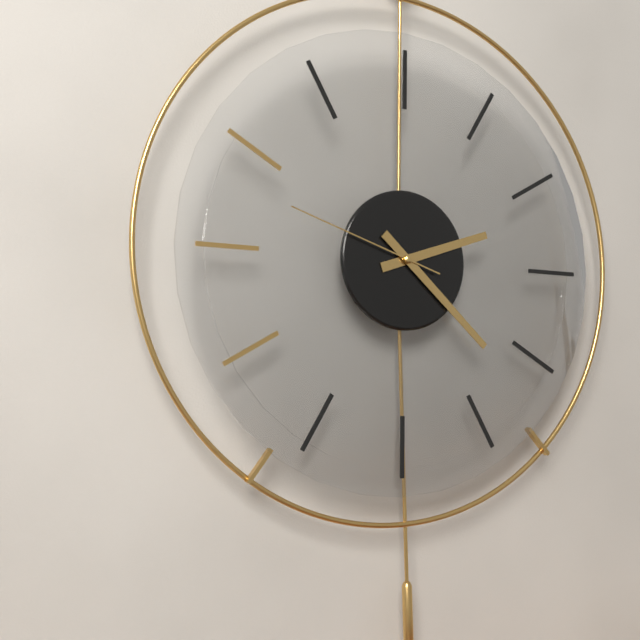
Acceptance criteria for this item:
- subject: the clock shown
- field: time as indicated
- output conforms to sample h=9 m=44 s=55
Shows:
h=2 m=22 s=48
